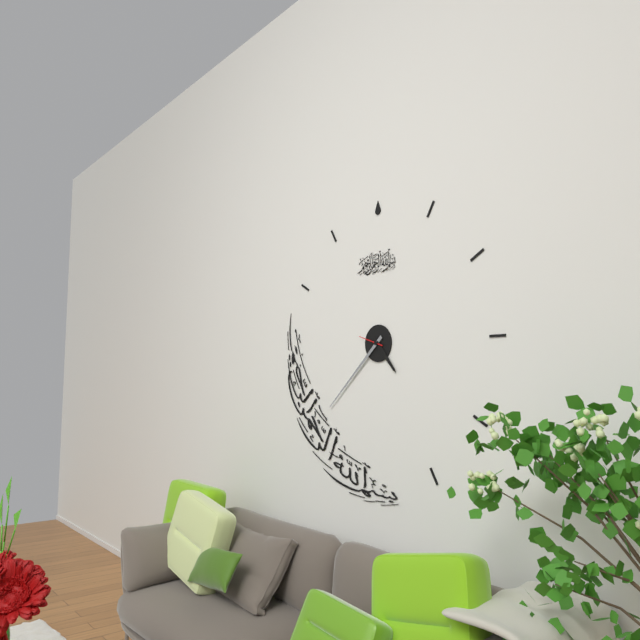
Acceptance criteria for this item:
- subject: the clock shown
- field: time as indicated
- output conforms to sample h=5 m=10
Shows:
h=4 m=38
